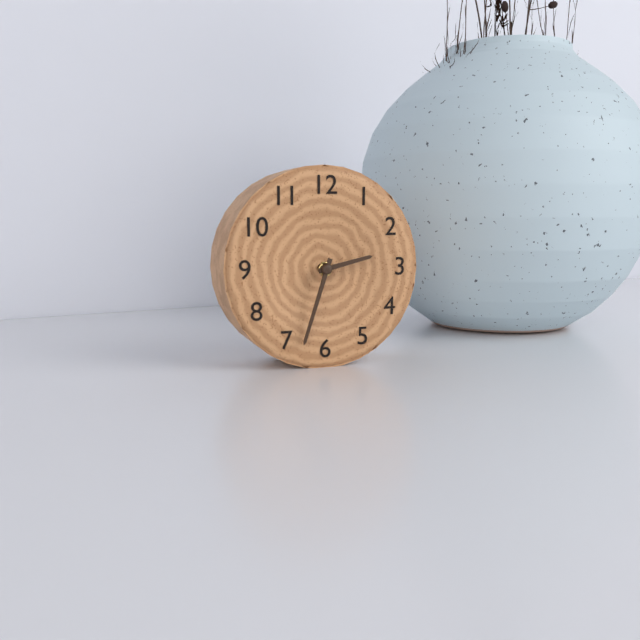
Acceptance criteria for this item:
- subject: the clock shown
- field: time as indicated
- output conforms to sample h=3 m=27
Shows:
h=2 m=33
